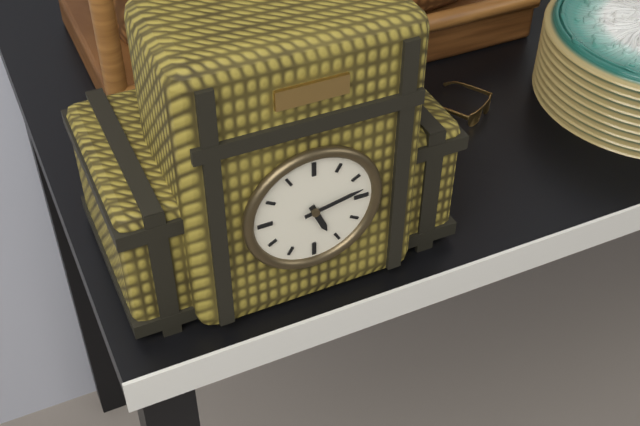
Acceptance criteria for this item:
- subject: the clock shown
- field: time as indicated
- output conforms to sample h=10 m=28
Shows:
h=5 m=13
